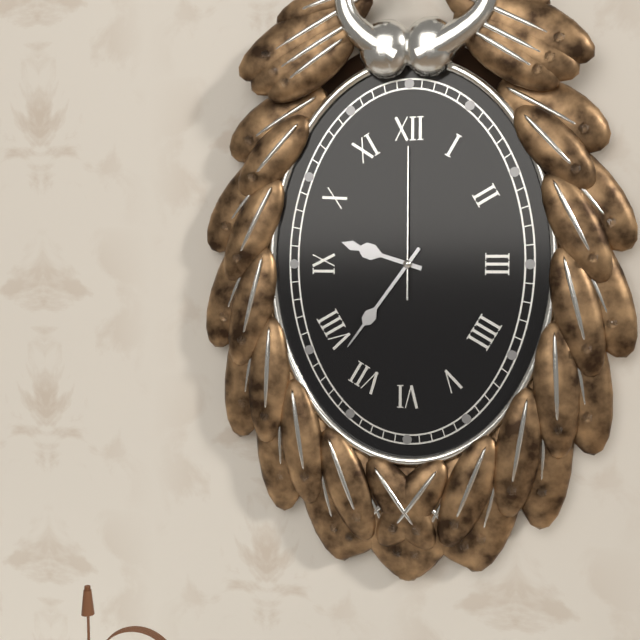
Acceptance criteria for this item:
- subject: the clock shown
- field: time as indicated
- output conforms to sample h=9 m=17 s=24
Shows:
h=9 m=36 s=0
